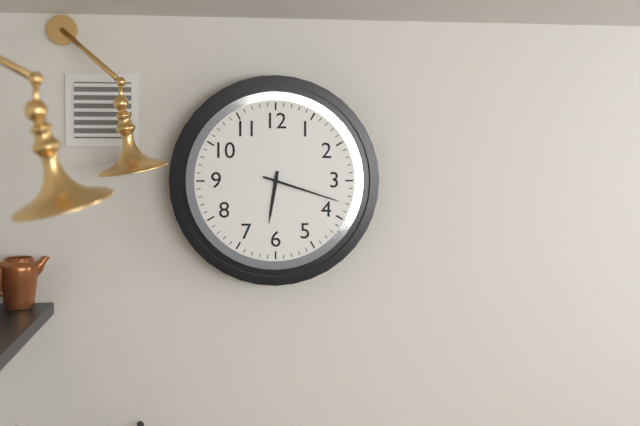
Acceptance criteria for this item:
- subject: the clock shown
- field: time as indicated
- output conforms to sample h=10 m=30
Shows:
h=6 m=18
